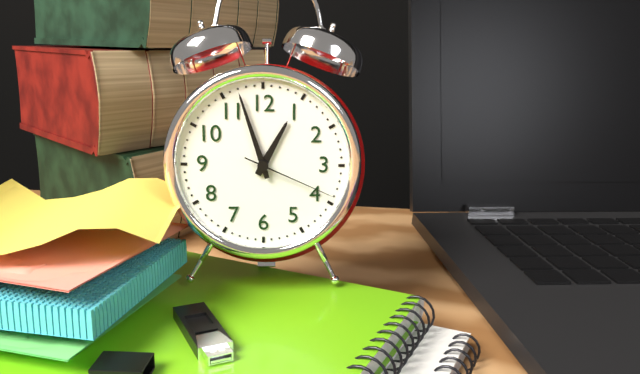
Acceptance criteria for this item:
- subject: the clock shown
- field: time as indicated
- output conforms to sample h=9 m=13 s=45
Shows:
h=12 m=57 s=19
